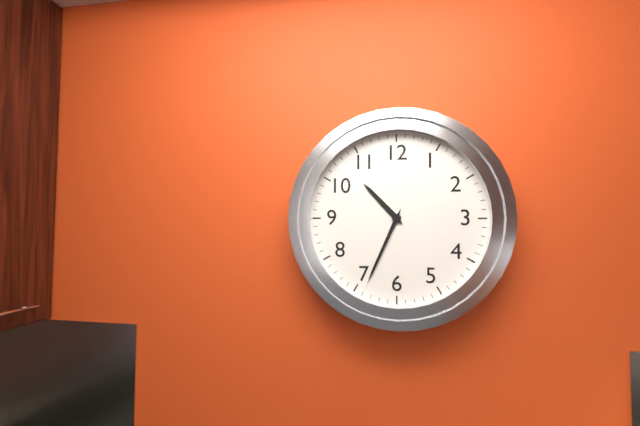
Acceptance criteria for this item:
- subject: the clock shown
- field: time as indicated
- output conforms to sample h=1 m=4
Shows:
h=10 m=34
